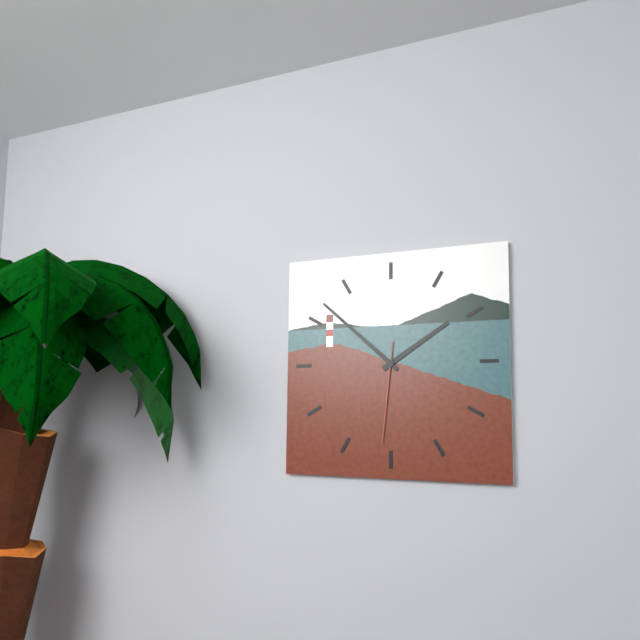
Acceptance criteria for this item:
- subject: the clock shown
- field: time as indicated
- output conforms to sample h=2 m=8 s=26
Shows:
h=1 m=52 s=31
